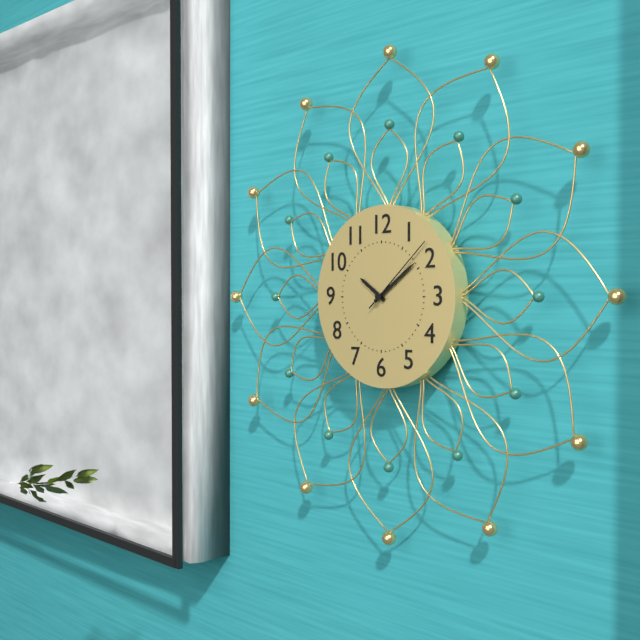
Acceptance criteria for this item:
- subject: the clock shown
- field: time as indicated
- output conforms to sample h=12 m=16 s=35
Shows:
h=10 m=9 s=8
